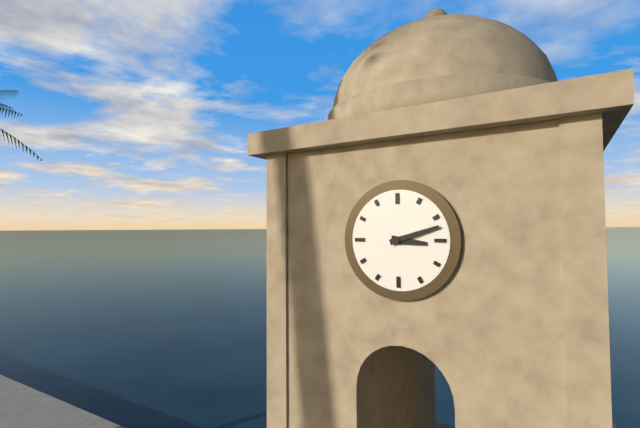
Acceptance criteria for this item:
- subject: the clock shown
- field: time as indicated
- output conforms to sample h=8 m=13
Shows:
h=3 m=12
